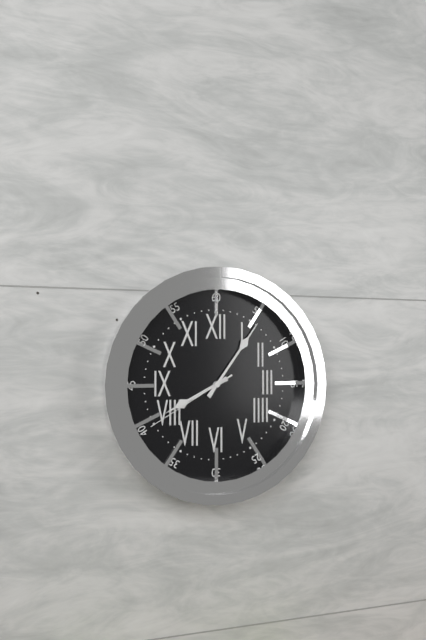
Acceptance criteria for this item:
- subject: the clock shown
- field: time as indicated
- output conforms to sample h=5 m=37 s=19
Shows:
h=8 m=6 s=40
